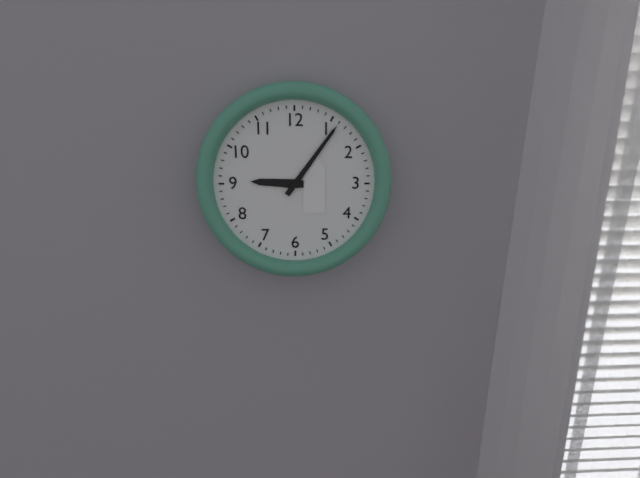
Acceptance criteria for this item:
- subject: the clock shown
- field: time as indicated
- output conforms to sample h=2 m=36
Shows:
h=9 m=6
